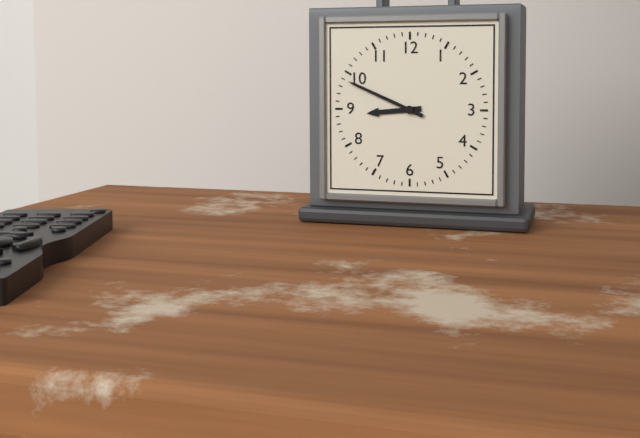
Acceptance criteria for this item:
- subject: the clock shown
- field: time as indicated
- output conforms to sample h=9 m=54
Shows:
h=8 m=49
